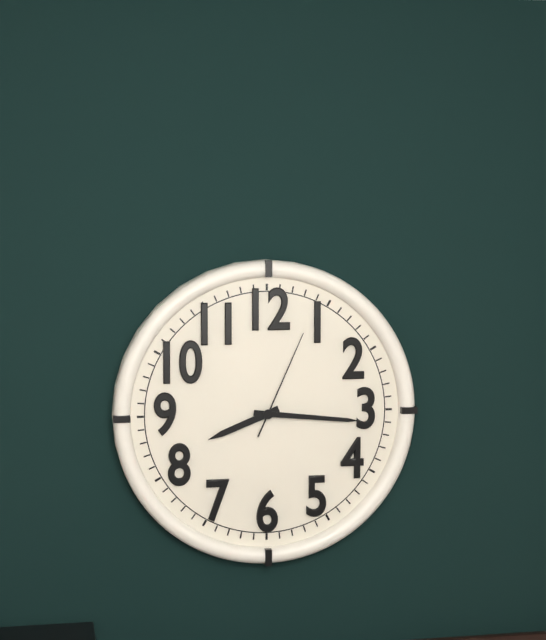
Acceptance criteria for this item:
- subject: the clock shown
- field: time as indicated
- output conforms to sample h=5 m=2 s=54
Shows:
h=8 m=16 s=4
